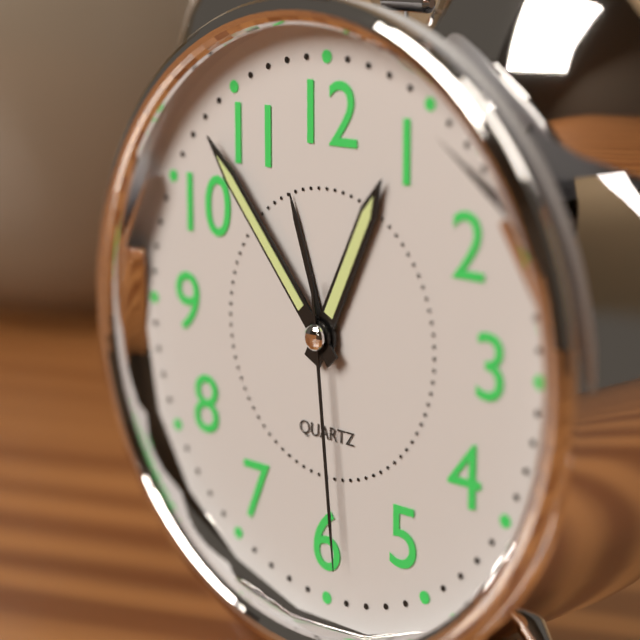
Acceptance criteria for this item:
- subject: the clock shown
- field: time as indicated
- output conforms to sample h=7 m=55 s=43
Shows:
h=12 m=53 s=29
